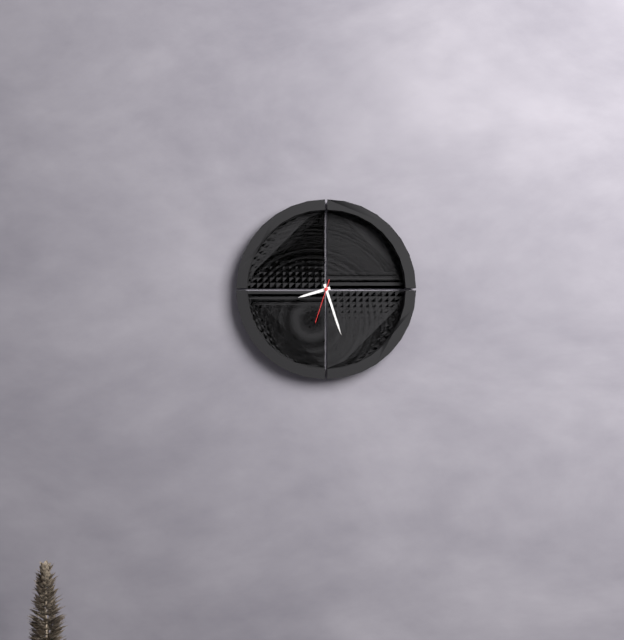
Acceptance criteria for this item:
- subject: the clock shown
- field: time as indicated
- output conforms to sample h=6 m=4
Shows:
h=8 m=27
